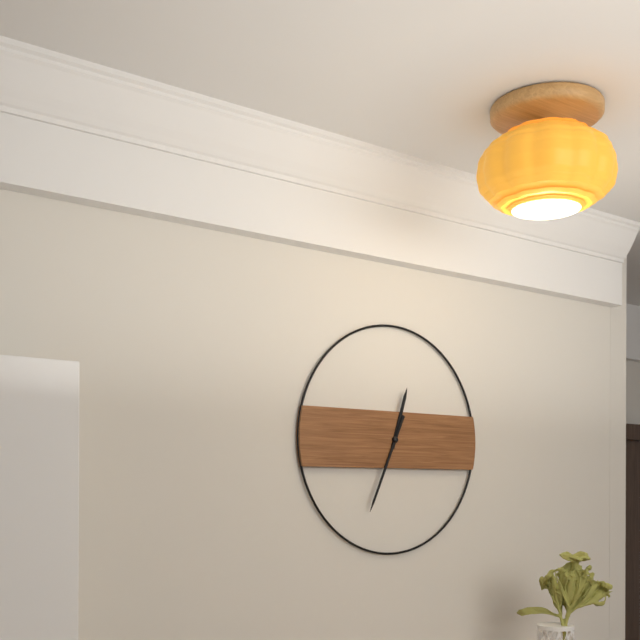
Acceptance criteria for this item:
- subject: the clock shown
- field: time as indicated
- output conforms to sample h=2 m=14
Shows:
h=12 m=34
